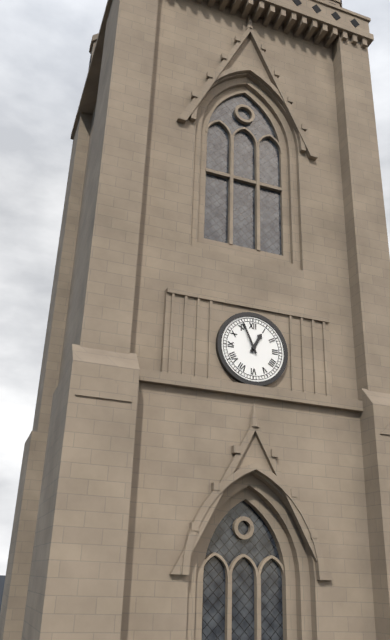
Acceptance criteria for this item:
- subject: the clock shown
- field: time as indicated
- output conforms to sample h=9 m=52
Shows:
h=12 m=56
